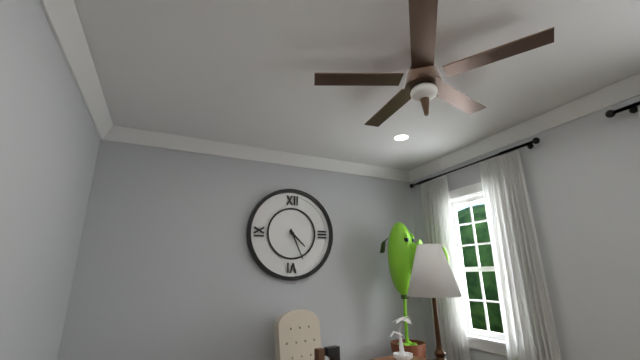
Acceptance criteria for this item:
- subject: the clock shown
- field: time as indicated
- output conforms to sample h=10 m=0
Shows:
h=4 m=26
